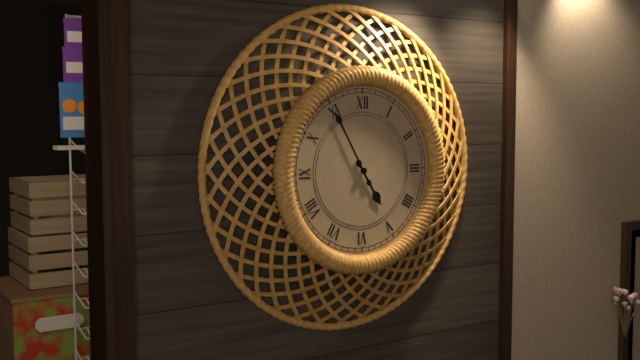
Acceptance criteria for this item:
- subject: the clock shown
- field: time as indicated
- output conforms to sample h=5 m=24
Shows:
h=4 m=55
